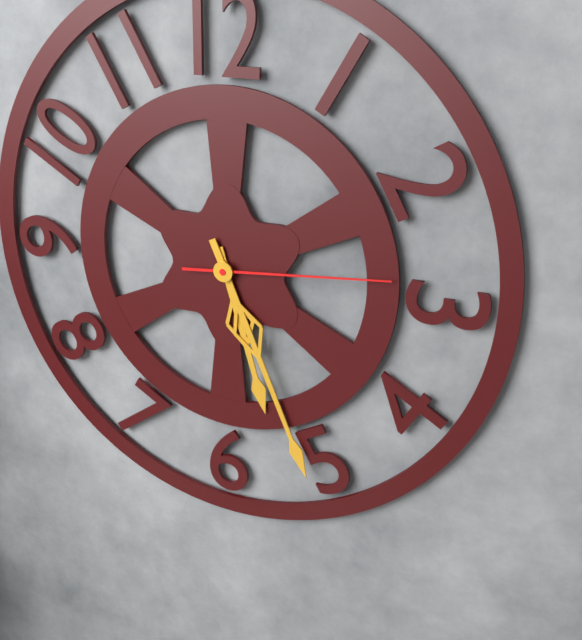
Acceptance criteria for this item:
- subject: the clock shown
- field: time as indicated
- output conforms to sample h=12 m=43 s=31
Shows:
h=5 m=26 s=14
